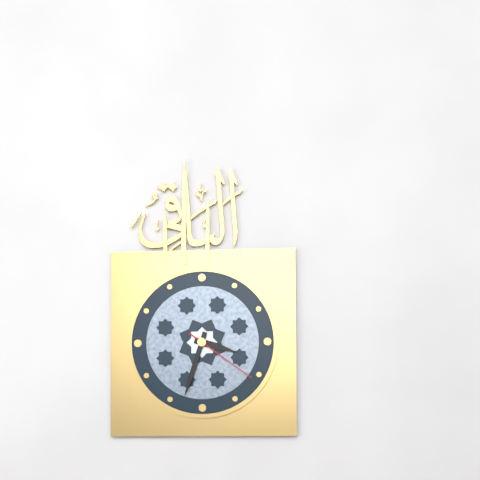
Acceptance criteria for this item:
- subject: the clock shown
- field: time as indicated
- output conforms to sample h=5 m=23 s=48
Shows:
h=3 m=33 s=21
